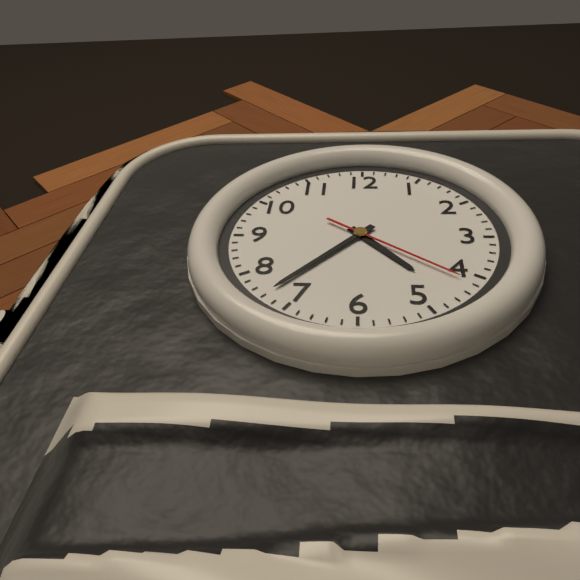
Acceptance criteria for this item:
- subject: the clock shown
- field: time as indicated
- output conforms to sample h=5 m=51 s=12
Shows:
h=4 m=37 s=21
